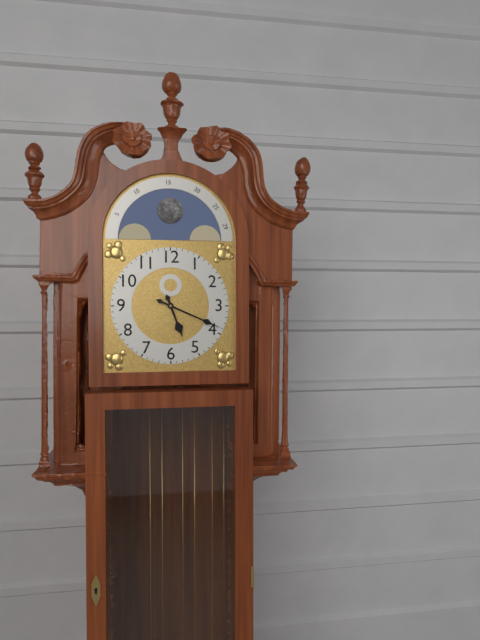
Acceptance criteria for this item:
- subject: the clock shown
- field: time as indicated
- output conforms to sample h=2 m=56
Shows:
h=5 m=19
